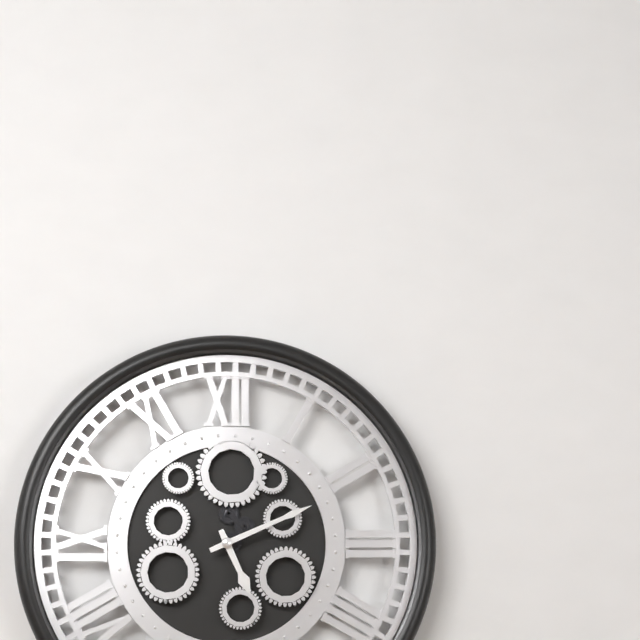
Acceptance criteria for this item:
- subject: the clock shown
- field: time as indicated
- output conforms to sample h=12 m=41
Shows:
h=5 m=11
